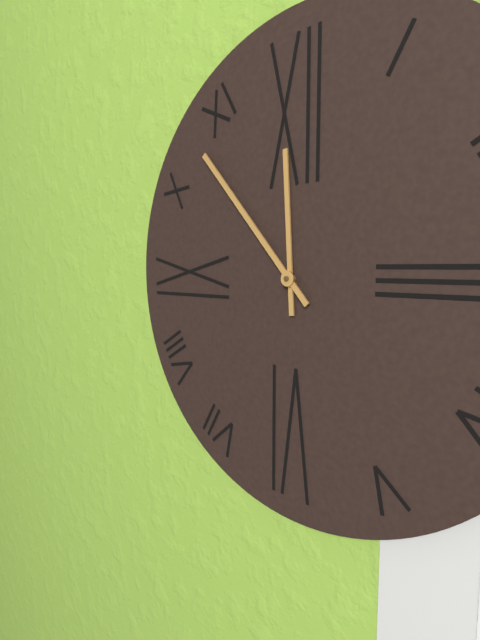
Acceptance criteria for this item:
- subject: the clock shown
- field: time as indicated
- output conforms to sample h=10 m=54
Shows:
h=11 m=53
